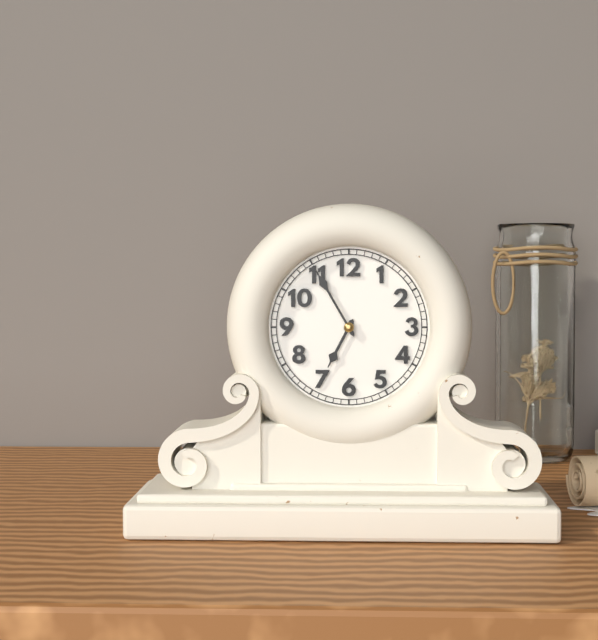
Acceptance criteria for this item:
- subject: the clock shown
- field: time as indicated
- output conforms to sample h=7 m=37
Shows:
h=6 m=55
